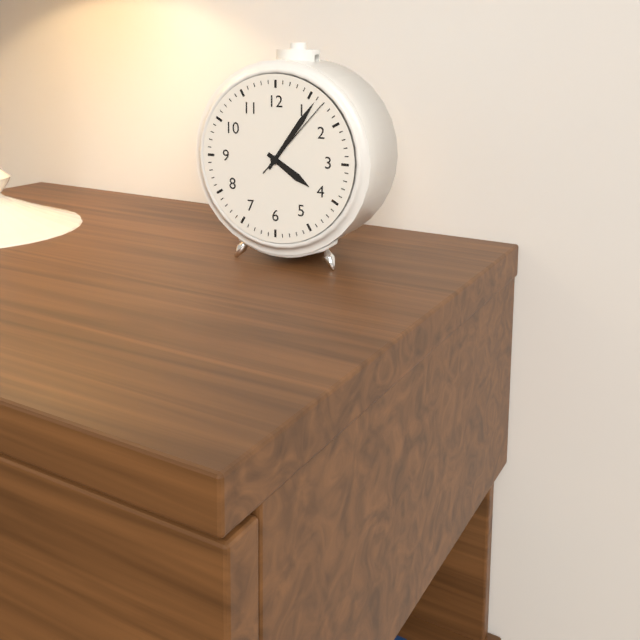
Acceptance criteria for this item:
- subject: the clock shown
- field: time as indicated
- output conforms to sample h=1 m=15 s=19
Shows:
h=4 m=6 s=7
